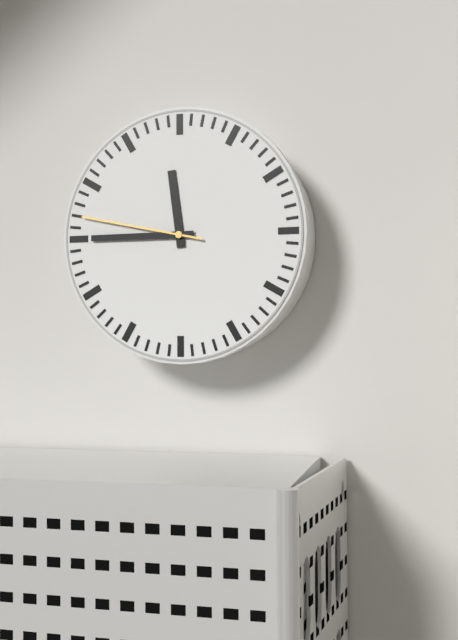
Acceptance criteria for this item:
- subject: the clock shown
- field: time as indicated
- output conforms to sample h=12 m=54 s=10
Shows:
h=11 m=45 s=47
